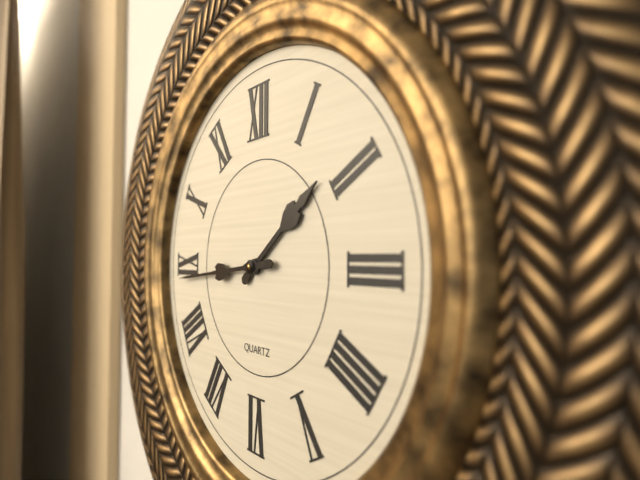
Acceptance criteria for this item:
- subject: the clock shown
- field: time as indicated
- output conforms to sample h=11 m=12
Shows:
h=1 m=44
